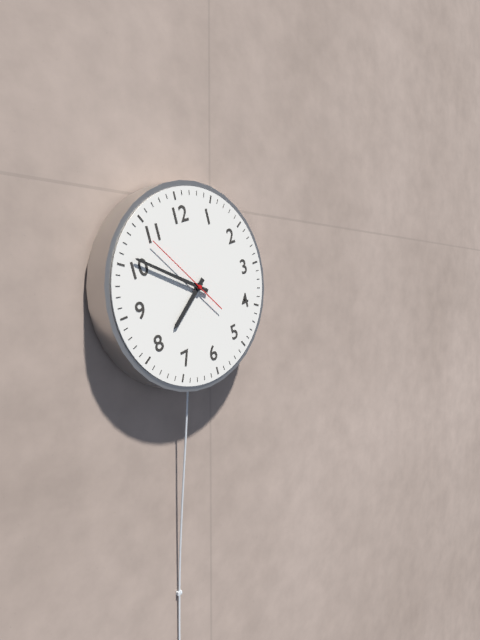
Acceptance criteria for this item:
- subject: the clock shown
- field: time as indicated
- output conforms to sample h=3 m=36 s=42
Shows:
h=7 m=51 s=54
